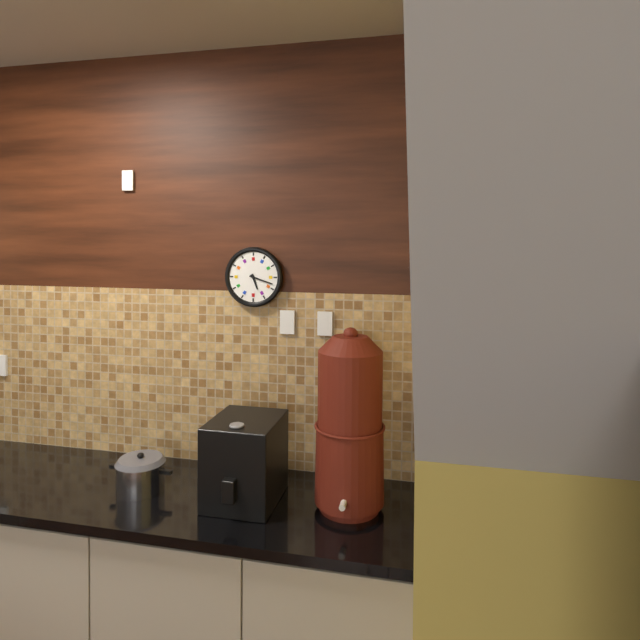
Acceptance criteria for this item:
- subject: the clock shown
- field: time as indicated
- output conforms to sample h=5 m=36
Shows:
h=5 m=18
